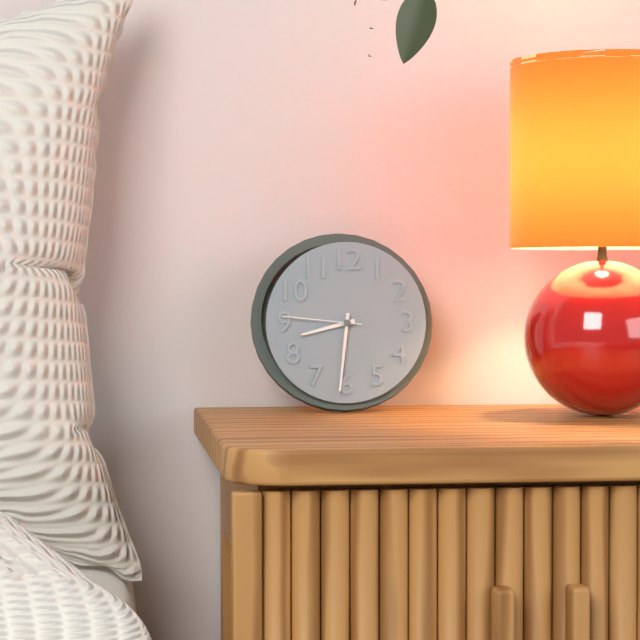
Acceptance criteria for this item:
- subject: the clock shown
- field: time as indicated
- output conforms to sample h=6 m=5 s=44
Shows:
h=8 m=31 s=46
